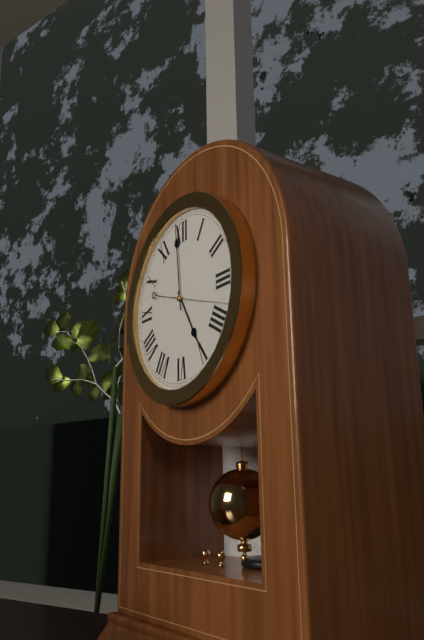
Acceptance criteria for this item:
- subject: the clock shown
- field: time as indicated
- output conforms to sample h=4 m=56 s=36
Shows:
h=4 m=59 s=18
